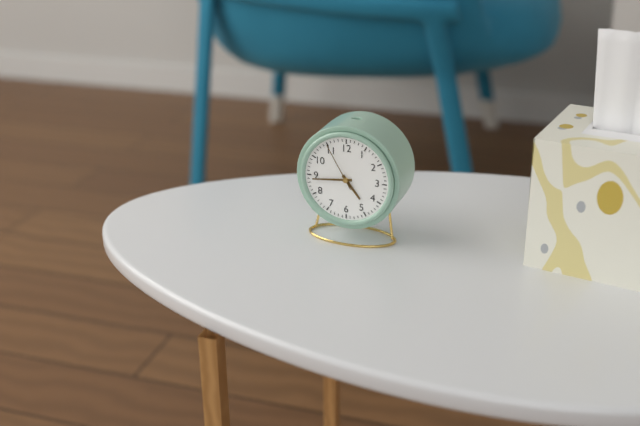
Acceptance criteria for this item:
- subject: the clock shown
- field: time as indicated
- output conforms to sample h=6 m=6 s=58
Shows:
h=4 m=44 s=55
